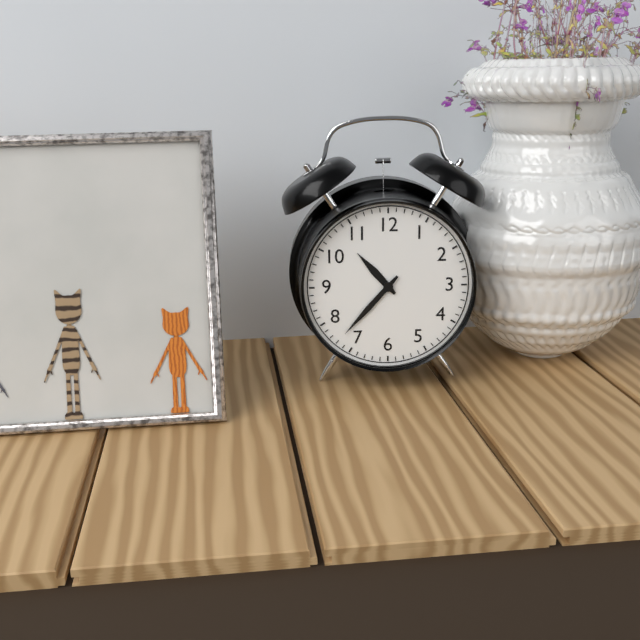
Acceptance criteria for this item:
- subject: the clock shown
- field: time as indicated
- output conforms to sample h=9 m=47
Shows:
h=10 m=37
